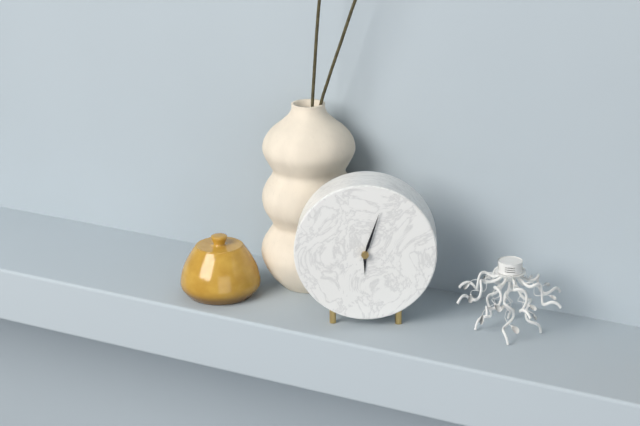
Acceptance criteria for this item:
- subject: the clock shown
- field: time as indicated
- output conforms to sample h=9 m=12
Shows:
h=6 m=3
